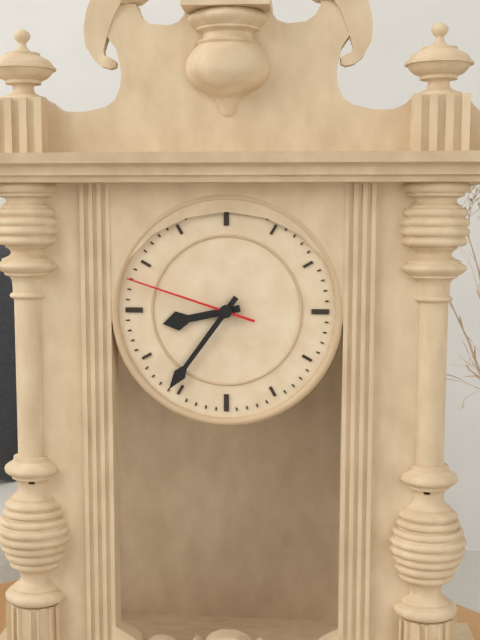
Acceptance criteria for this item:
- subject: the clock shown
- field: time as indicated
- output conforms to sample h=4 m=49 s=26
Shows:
h=8 m=36 s=48
